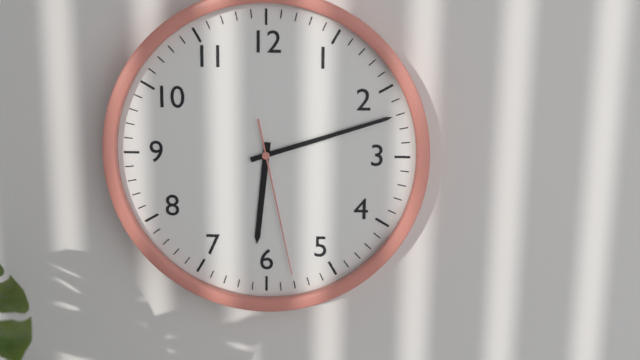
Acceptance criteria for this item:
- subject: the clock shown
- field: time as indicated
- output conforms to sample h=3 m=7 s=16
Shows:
h=6 m=12 s=28
